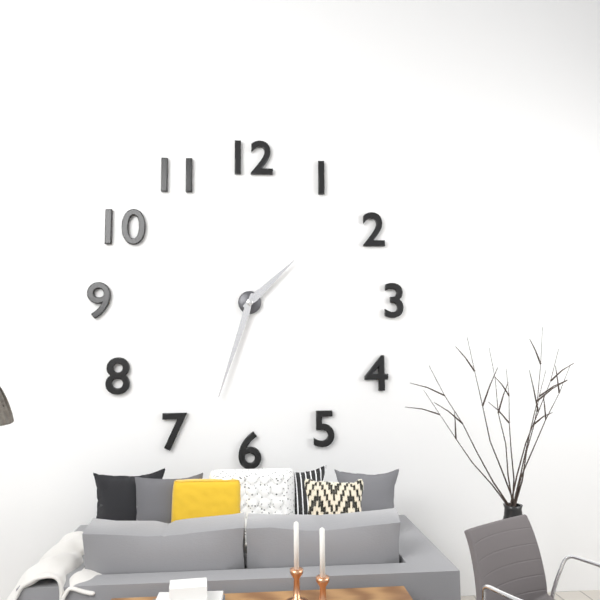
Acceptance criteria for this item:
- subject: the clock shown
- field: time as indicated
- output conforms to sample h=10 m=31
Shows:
h=1 m=33
